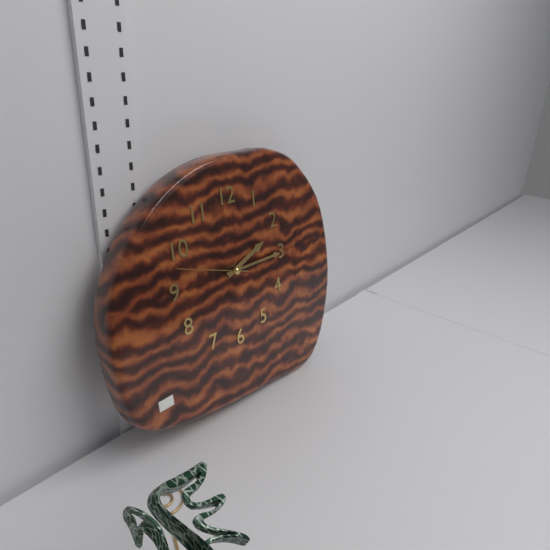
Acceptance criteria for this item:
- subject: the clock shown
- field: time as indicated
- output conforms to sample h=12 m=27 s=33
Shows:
h=2 m=15 s=48
